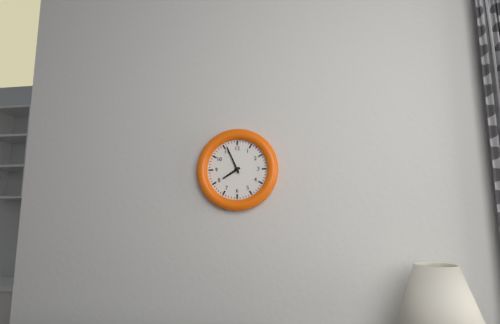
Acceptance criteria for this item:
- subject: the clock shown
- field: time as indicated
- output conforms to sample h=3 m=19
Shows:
h=7 m=56
